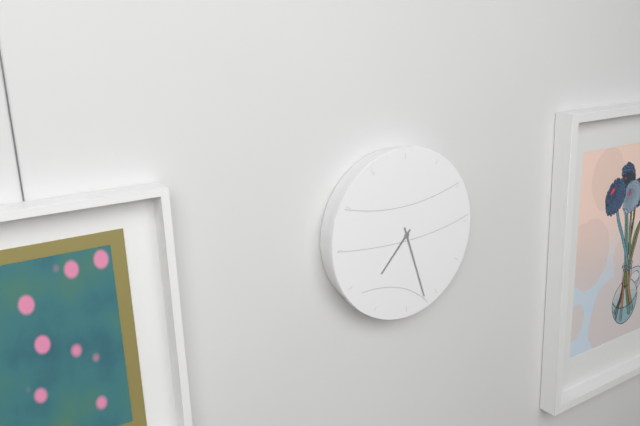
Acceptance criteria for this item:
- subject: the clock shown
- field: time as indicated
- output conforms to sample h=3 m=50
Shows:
h=7 m=27
